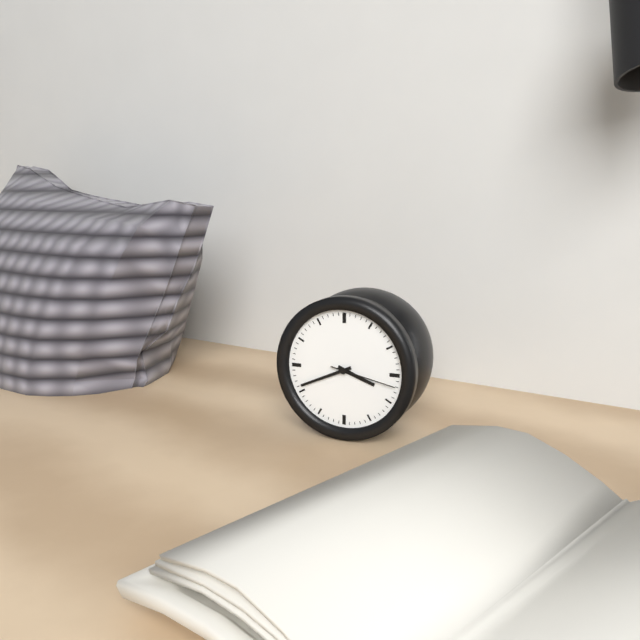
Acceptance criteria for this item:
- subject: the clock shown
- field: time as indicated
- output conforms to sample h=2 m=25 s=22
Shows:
h=3 m=41 s=17
